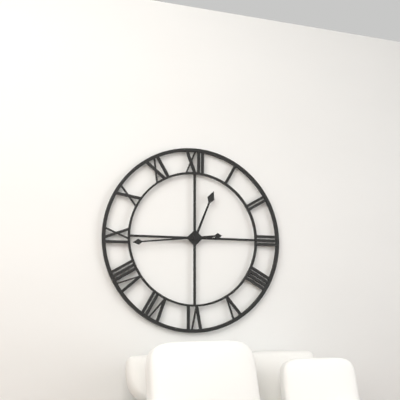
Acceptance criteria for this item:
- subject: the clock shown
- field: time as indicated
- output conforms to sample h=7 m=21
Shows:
h=12 m=44
